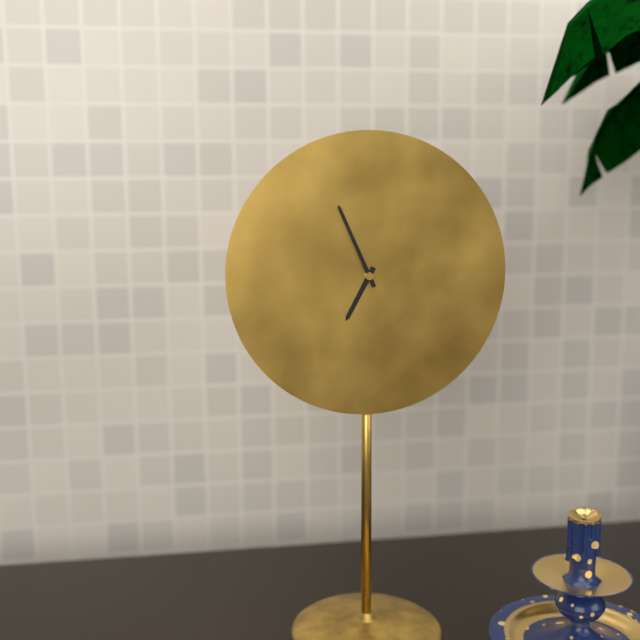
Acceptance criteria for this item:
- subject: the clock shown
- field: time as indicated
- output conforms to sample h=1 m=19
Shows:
h=6 m=56
